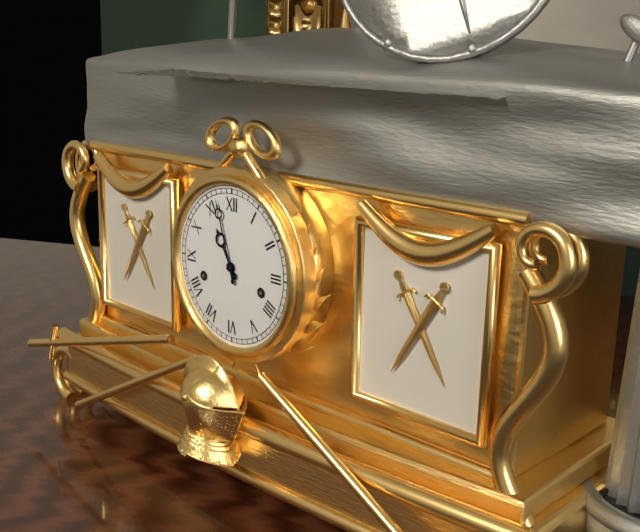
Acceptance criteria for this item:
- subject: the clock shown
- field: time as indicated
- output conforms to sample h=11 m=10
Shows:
h=10 m=57
